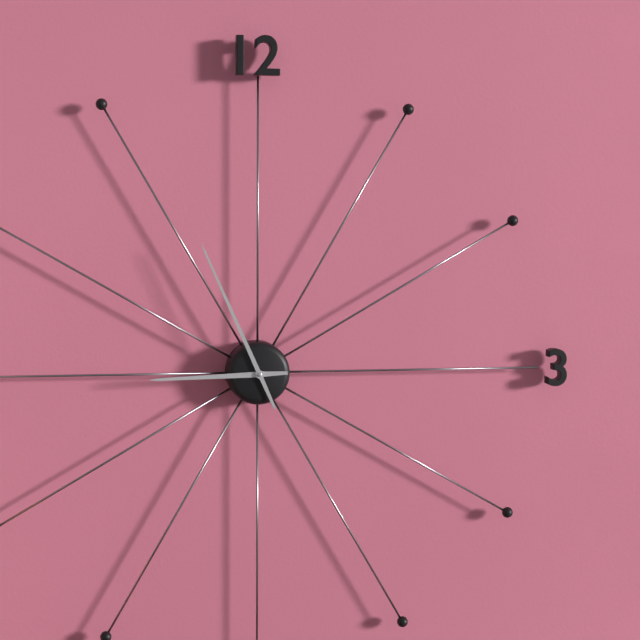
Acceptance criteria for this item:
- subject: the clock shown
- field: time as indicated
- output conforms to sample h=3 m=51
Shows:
h=8 m=56
